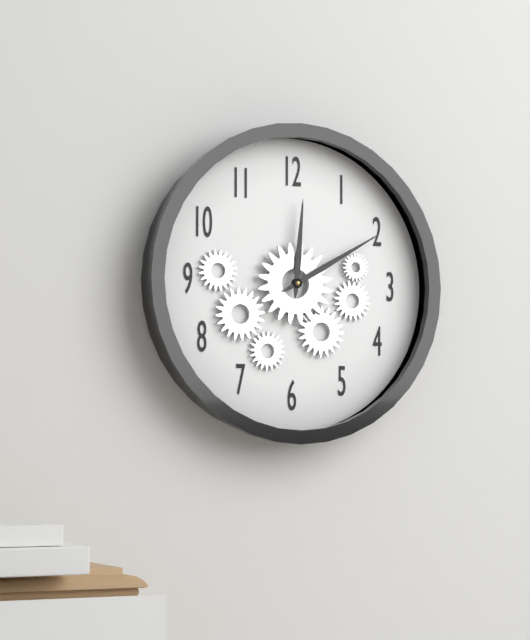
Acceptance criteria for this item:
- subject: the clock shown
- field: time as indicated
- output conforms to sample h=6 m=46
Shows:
h=12 m=10
